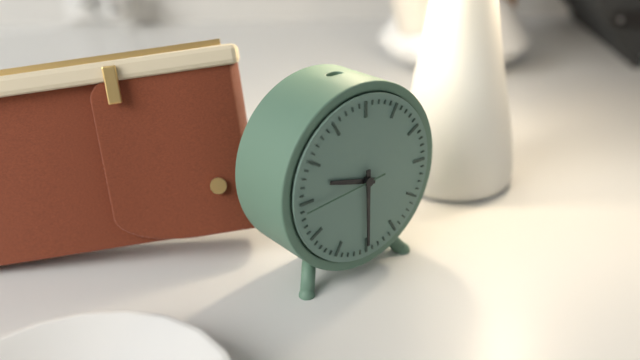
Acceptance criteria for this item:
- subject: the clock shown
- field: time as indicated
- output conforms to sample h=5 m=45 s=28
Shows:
h=9 m=30 s=44
